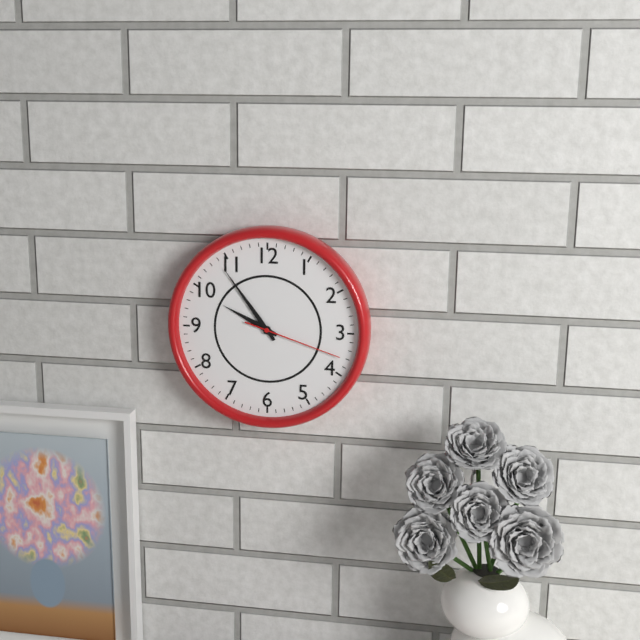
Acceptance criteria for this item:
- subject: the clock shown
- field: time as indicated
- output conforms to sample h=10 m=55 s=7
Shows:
h=9 m=54 s=18
